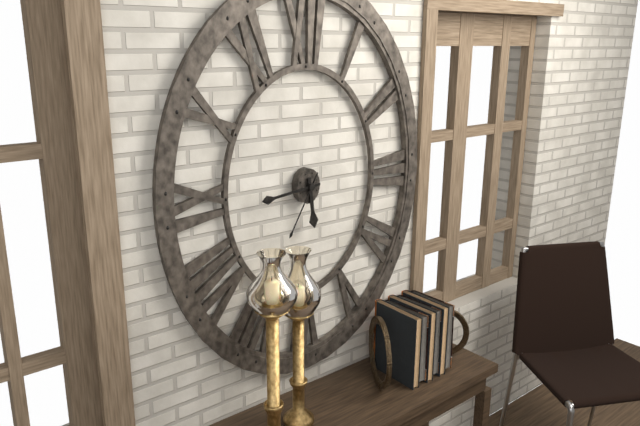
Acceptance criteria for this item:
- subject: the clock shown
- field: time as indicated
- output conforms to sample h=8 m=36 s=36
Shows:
h=5 m=44 s=35
